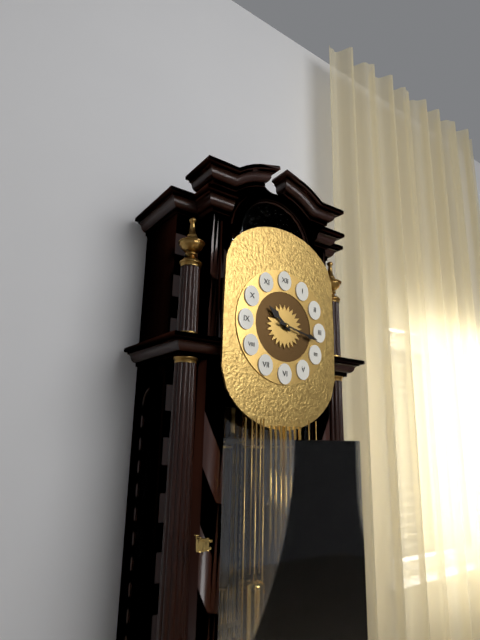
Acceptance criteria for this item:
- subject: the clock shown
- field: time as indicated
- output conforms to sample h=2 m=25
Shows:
h=10 m=17
